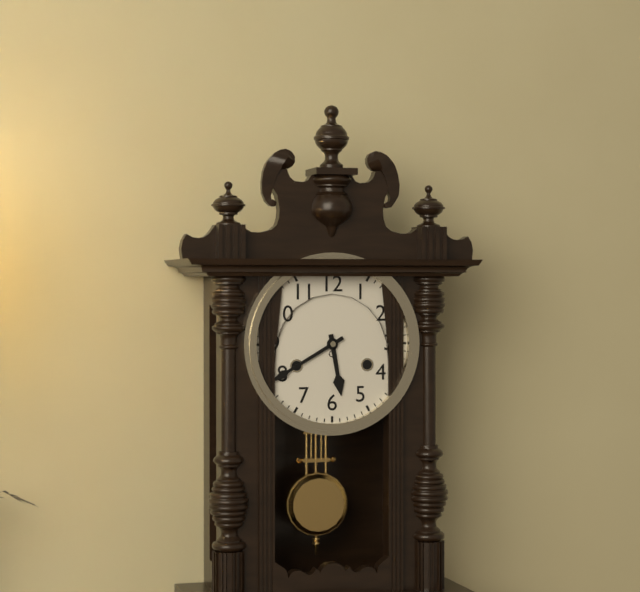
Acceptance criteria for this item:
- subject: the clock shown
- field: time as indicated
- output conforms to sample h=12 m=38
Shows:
h=5 m=40
